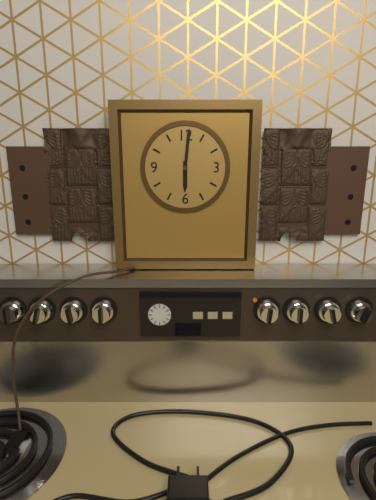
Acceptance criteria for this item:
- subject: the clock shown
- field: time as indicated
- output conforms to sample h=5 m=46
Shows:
h=6 m=1
